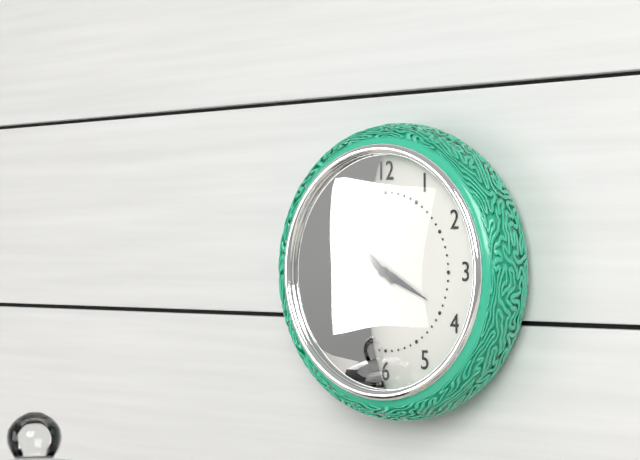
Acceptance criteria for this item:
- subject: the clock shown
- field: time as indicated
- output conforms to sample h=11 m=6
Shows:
h=3 m=52
